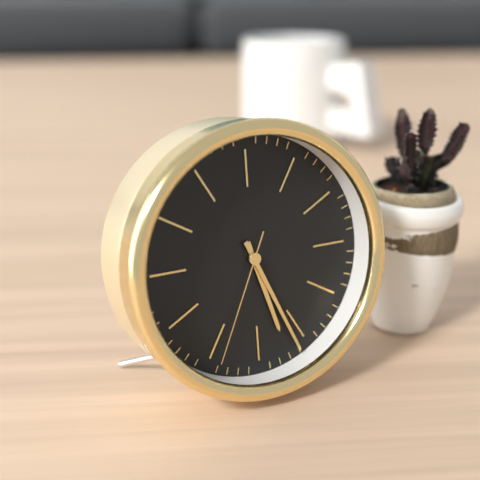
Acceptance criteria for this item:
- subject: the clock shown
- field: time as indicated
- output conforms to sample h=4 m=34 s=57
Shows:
h=5 m=26 s=34
